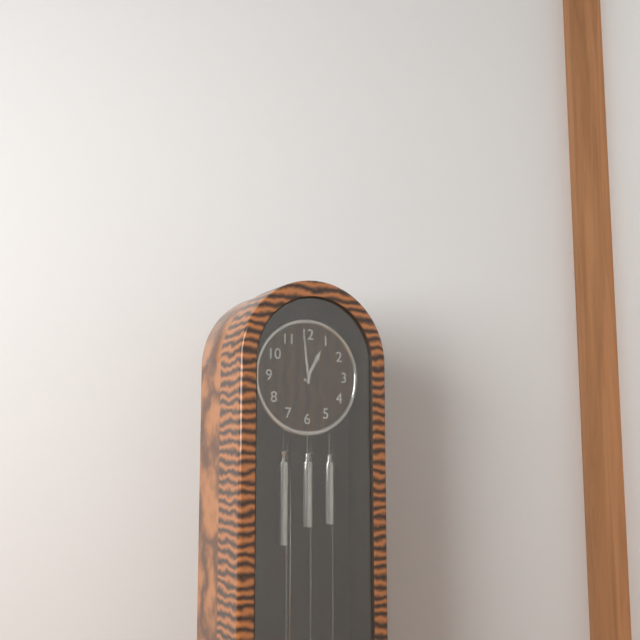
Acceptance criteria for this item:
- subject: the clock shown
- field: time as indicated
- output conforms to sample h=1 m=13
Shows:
h=12 m=59
